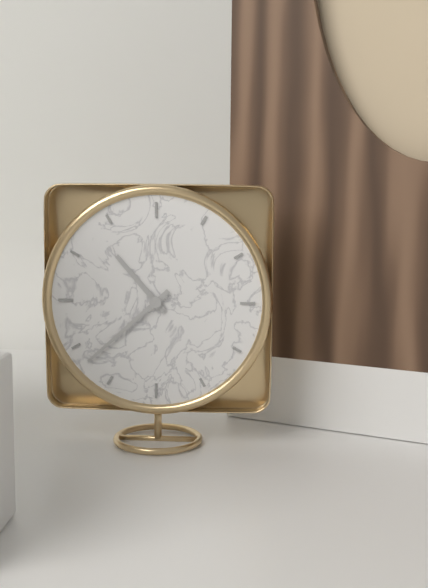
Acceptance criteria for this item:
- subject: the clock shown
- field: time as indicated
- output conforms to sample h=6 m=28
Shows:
h=10 m=38
